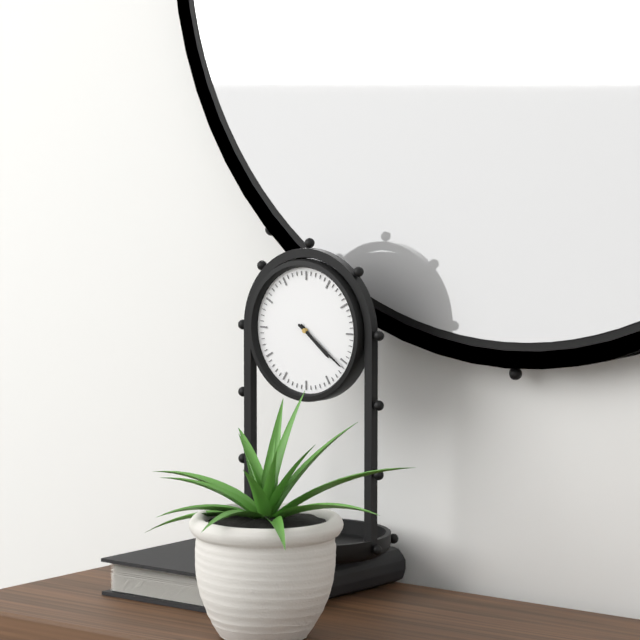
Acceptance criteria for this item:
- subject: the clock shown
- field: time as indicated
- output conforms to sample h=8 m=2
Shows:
h=4 m=21
